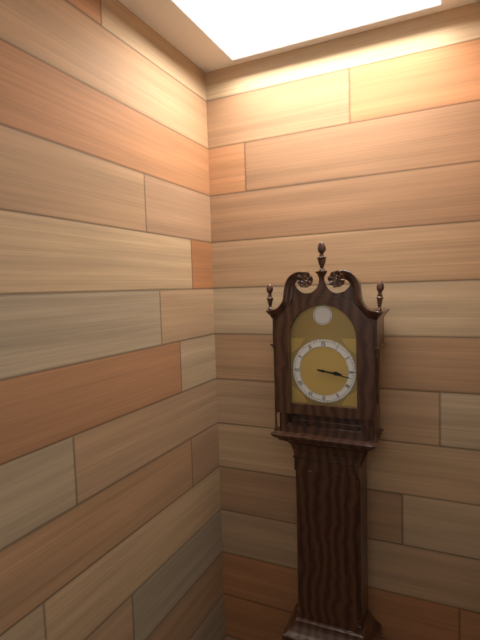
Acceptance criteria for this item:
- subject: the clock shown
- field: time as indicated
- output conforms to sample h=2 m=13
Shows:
h=3 m=17
